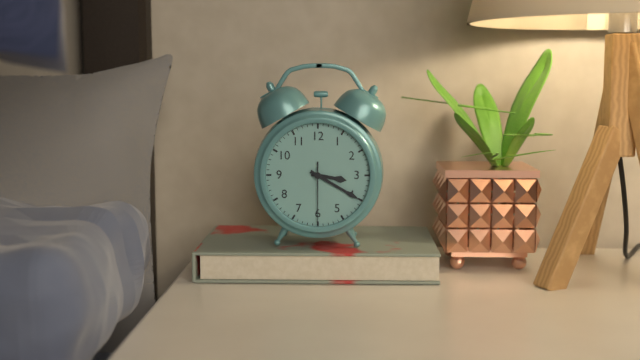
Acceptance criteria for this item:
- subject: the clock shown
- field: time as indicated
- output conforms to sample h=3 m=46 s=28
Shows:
h=3 m=20 s=30
